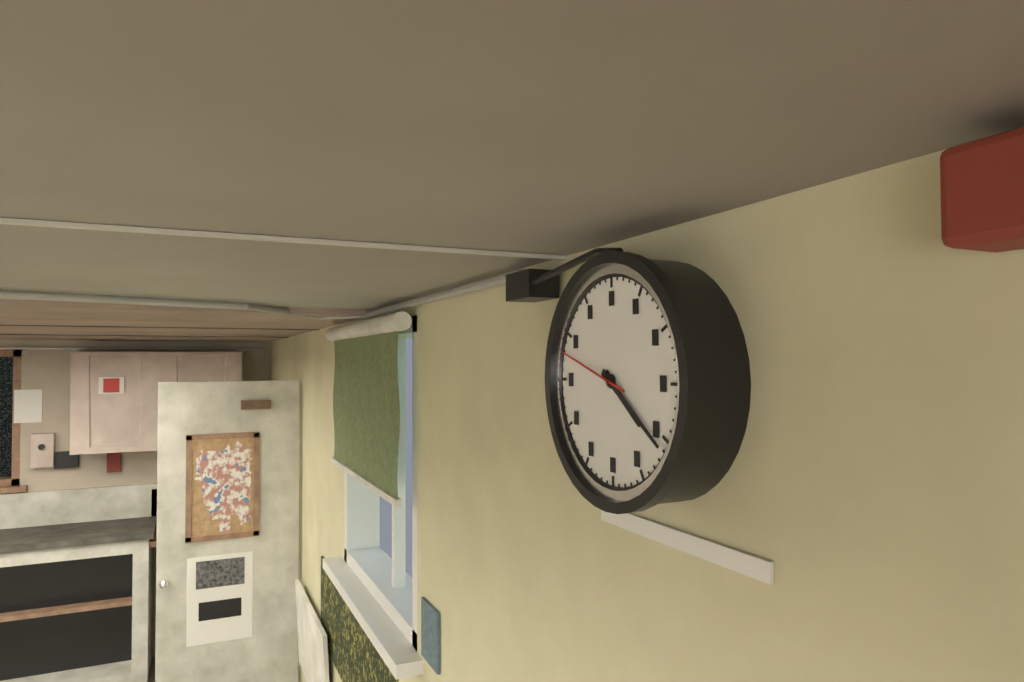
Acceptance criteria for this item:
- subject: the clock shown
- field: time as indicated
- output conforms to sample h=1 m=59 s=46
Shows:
h=4 m=21 s=48
